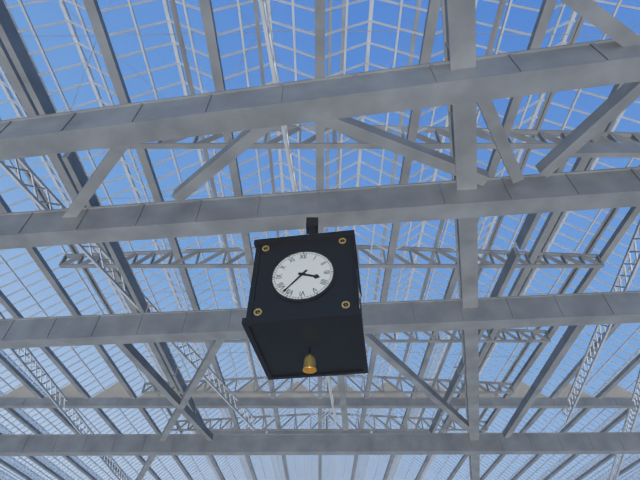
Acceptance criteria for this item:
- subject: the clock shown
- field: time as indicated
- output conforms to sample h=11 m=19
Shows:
h=3 m=37
